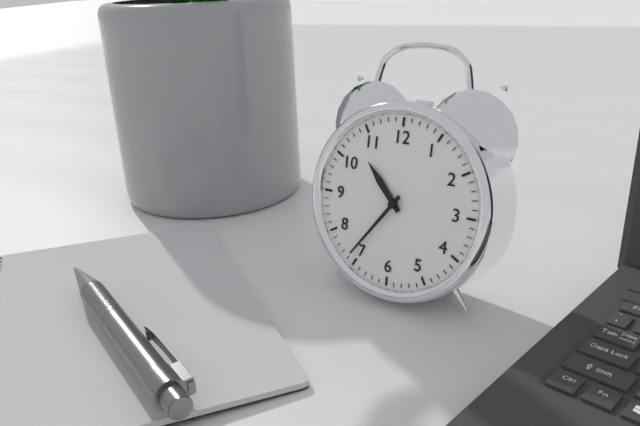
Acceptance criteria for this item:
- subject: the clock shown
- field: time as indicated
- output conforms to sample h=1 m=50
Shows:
h=10 m=36
